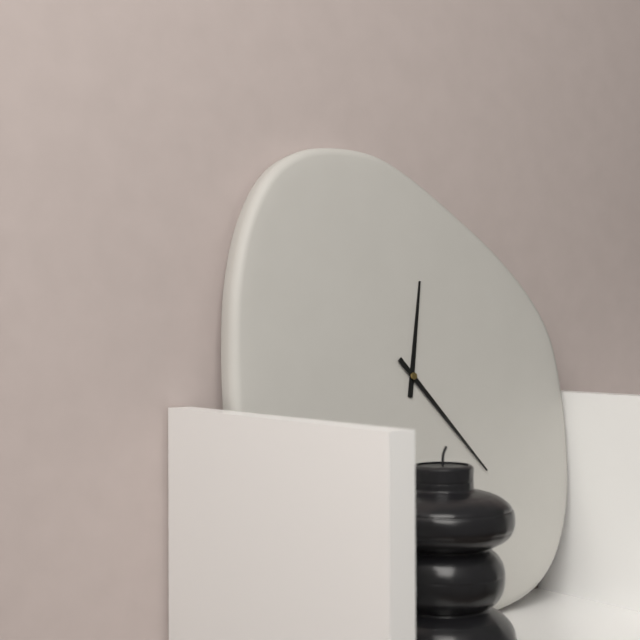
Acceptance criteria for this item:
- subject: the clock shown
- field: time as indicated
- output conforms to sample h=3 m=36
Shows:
h=12 m=23
